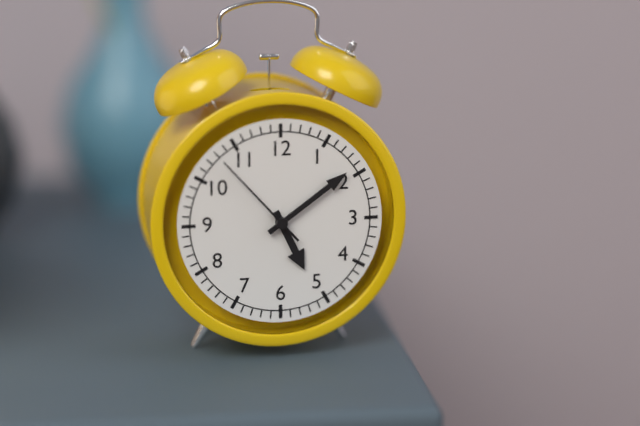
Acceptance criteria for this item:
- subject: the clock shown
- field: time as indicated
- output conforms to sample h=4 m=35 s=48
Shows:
h=5 m=9 s=53
